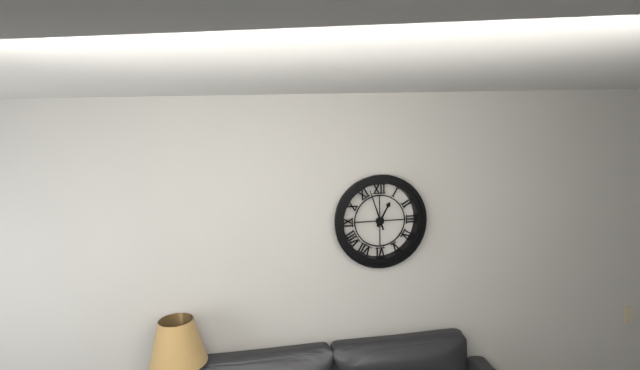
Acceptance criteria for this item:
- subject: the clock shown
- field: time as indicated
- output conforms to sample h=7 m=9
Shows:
h=12 m=57
